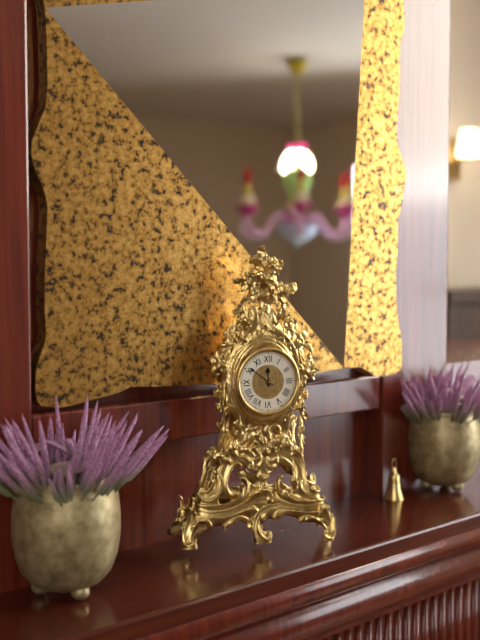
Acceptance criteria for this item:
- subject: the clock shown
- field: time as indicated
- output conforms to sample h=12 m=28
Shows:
h=11 m=51
